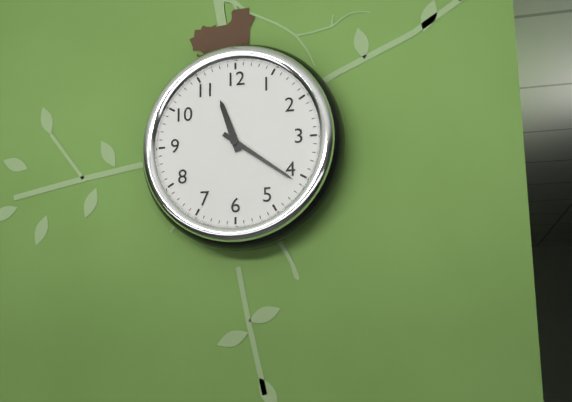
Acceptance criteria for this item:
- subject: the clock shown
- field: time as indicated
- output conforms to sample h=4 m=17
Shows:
h=11 m=21
